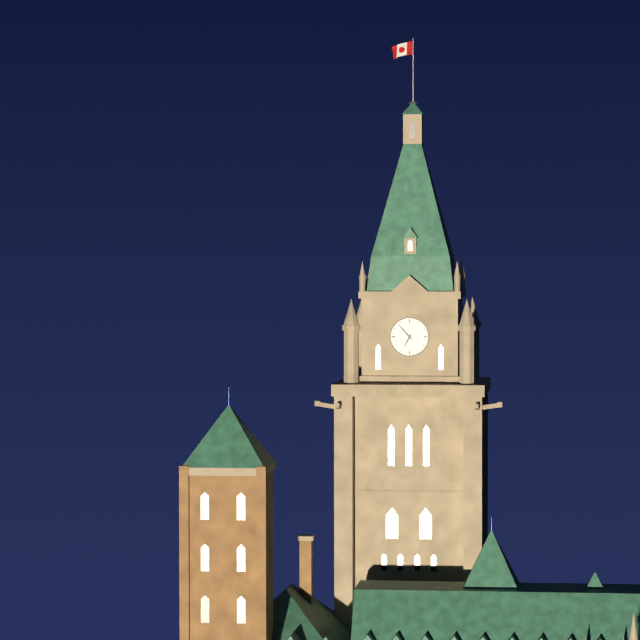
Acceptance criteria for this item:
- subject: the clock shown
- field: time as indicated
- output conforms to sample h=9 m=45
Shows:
h=6 m=53
